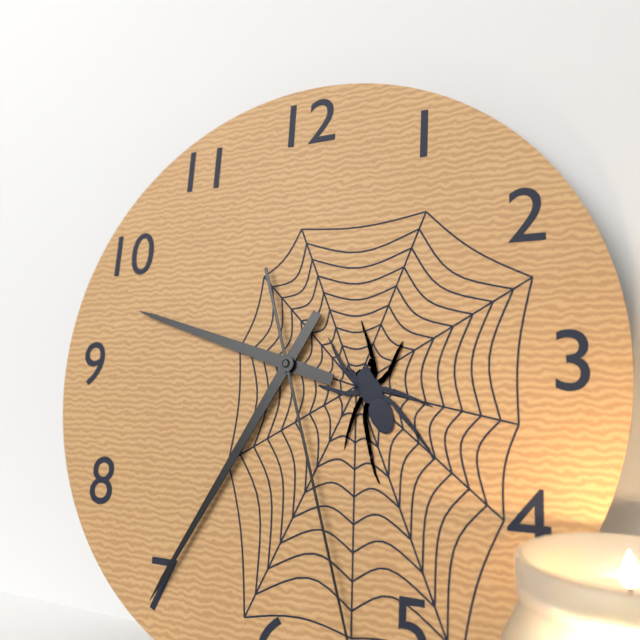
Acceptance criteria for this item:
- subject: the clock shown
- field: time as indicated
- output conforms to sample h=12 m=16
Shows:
h=9 m=35
